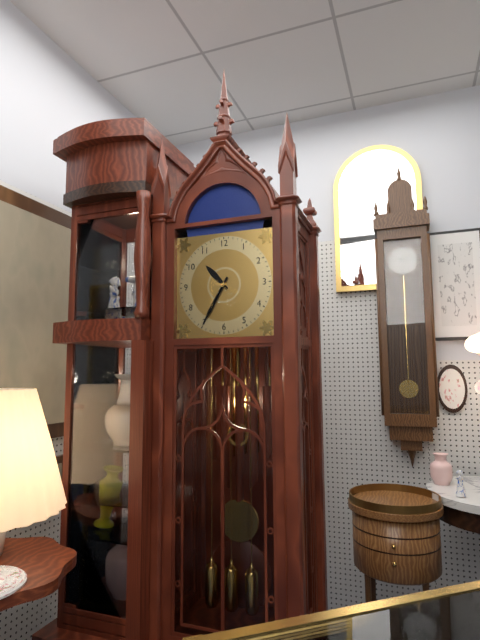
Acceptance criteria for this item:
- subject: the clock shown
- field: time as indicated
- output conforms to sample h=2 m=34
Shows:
h=10 m=35
